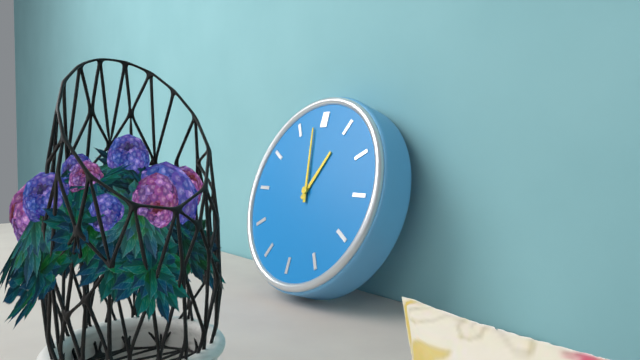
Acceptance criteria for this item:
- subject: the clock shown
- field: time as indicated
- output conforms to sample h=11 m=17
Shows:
h=12 m=58
